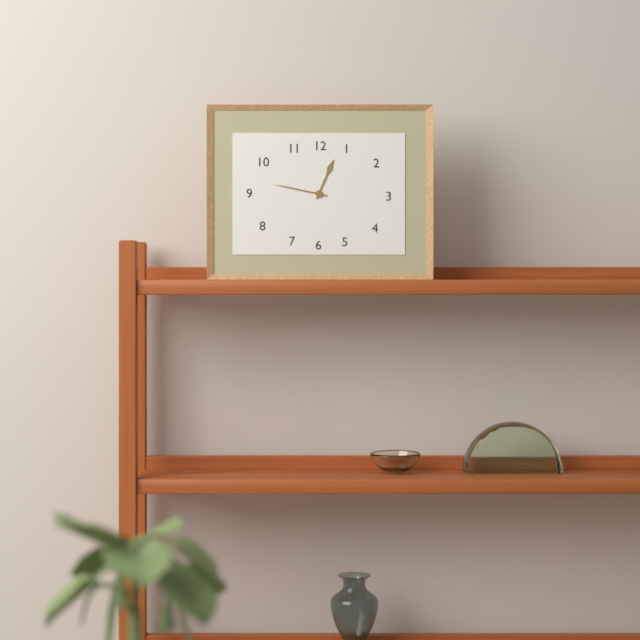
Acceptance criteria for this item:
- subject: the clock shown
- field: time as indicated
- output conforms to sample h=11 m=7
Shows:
h=12 m=47
